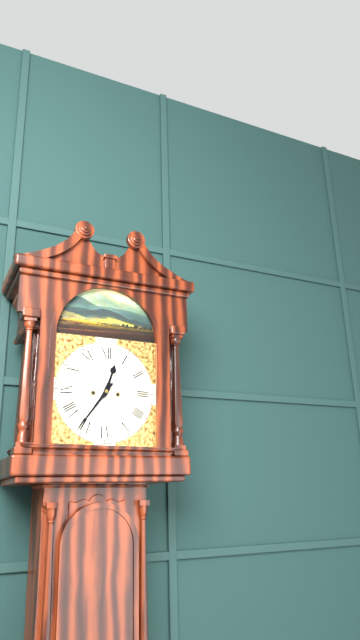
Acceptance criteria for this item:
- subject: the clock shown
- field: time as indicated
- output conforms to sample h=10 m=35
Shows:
h=12 m=36
